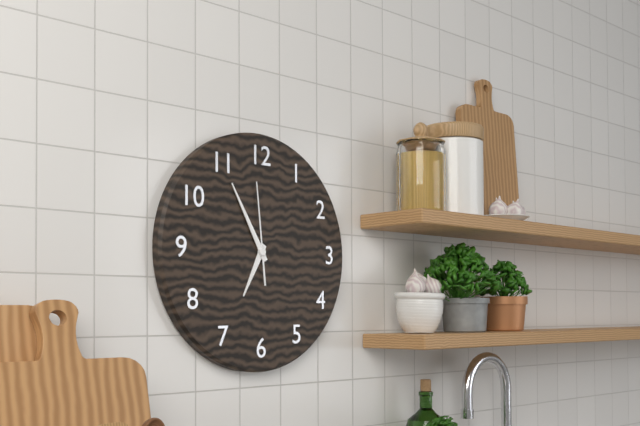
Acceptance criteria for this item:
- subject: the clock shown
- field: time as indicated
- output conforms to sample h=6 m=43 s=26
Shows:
h=6 m=55 s=59
